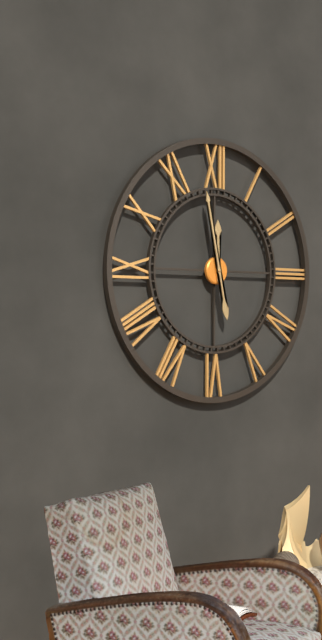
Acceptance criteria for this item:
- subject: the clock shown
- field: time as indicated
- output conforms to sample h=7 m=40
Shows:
h=11 m=58
